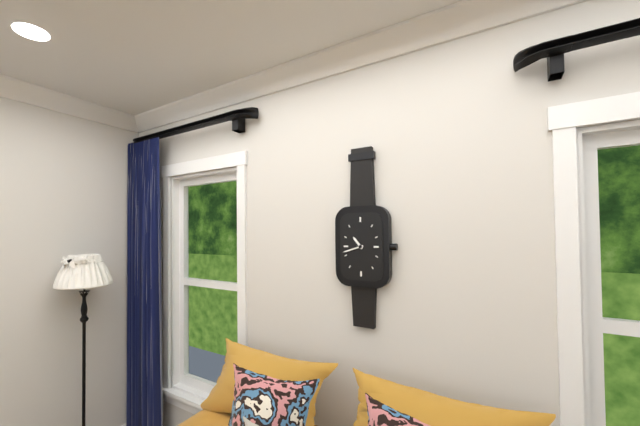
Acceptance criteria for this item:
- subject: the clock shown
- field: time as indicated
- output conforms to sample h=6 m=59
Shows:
h=10 m=42
